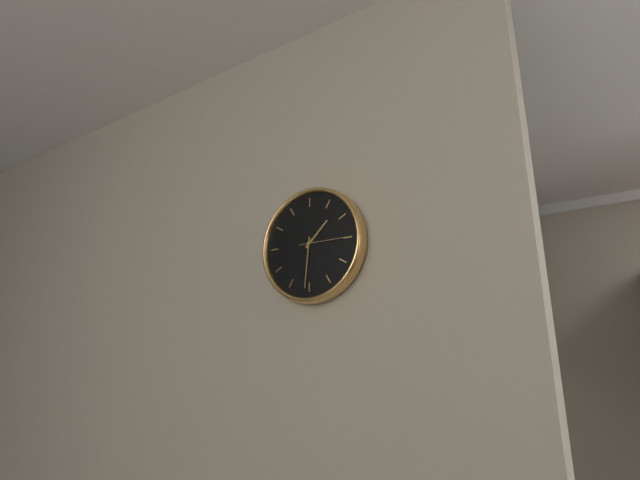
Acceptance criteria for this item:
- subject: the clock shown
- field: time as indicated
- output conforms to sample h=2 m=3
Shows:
h=1 m=31
